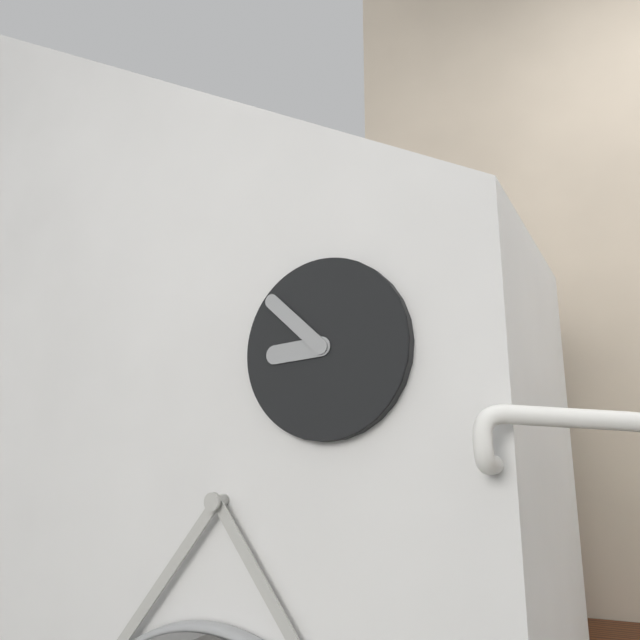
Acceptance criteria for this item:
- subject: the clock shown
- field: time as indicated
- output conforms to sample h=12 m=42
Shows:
h=8 m=52
